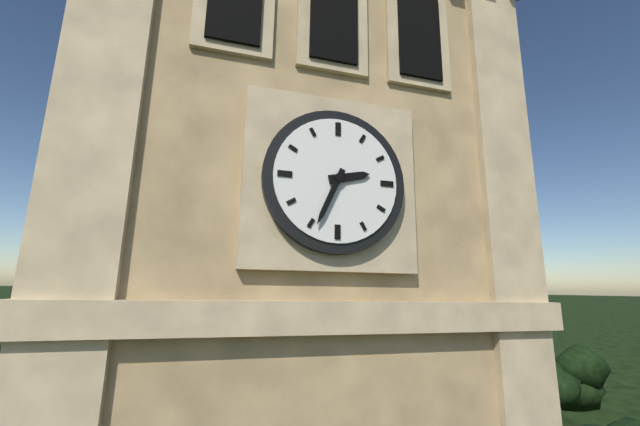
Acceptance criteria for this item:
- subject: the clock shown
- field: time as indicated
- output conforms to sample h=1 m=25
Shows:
h=2 m=34
